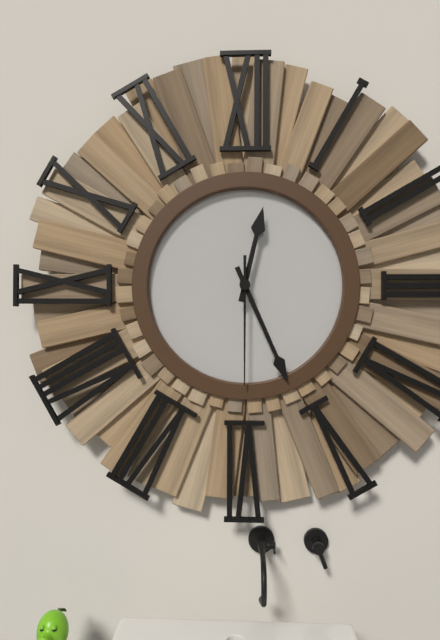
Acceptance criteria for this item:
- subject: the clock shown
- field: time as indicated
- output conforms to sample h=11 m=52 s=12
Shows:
h=12 m=26 s=30
